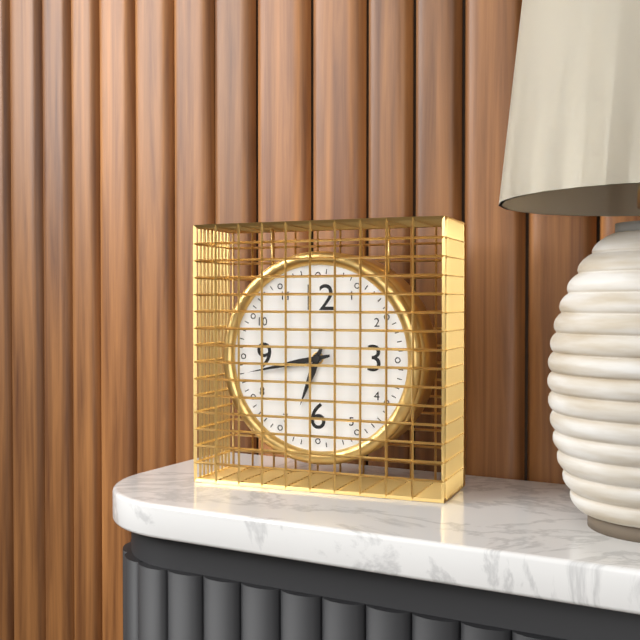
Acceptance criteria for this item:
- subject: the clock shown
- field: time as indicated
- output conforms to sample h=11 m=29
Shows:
h=6 m=43
